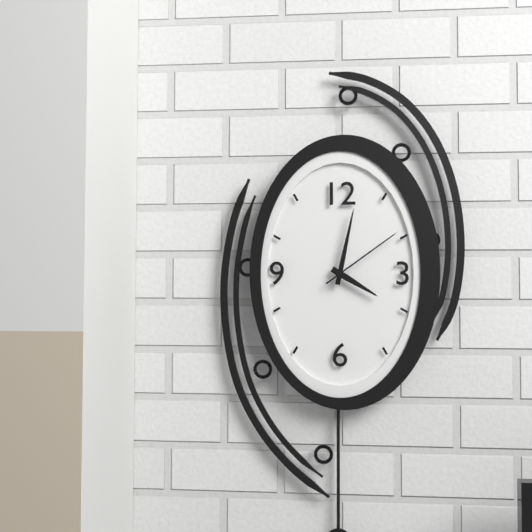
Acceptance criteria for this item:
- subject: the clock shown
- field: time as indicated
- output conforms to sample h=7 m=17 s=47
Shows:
h=4 m=2 s=9
